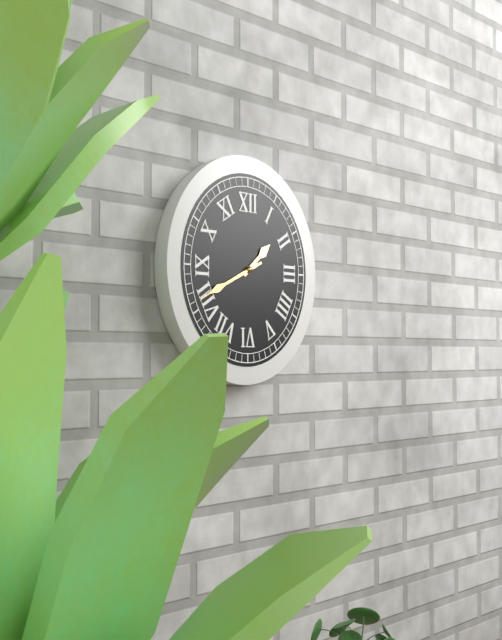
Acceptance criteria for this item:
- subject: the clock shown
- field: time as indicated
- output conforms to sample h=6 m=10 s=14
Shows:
h=1 m=41 s=41
